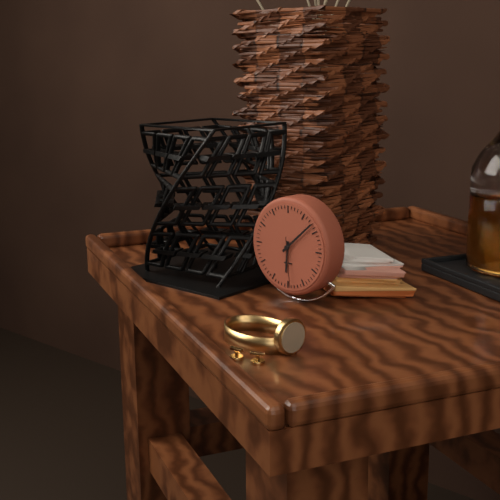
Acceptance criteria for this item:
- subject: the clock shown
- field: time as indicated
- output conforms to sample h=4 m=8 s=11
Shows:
h=6 m=8 s=29
